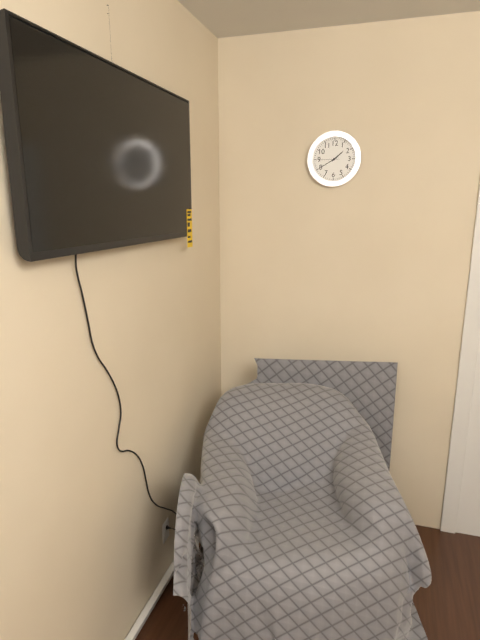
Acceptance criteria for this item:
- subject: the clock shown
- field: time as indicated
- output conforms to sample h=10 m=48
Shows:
h=1 m=40
